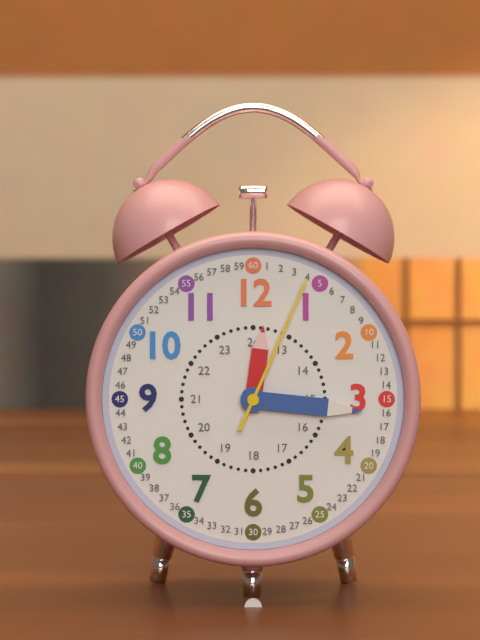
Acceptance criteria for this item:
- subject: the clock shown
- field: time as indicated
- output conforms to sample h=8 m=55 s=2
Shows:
h=12 m=16 s=4
